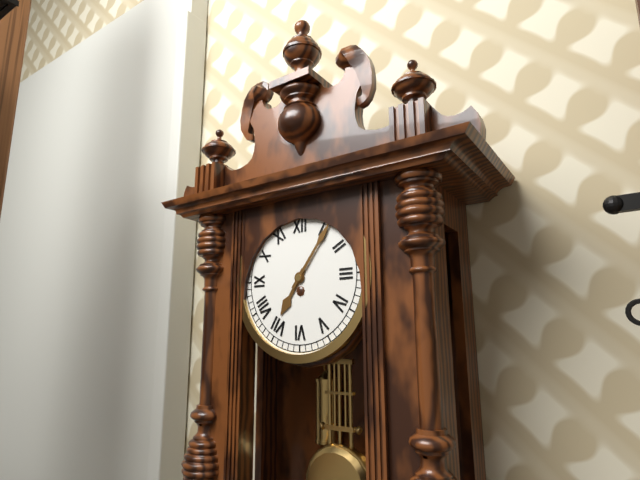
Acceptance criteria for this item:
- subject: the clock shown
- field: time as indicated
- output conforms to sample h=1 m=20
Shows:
h=7 m=6
